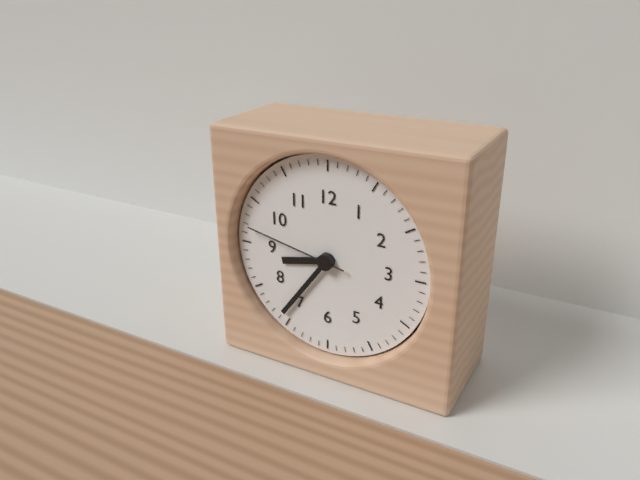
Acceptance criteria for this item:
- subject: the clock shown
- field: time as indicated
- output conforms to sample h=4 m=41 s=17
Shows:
h=8 m=36 s=47
